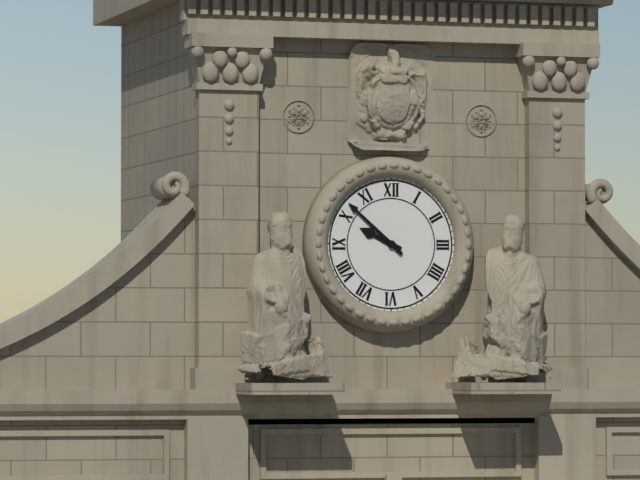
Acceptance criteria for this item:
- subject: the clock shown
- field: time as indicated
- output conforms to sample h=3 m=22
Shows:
h=9 m=52
